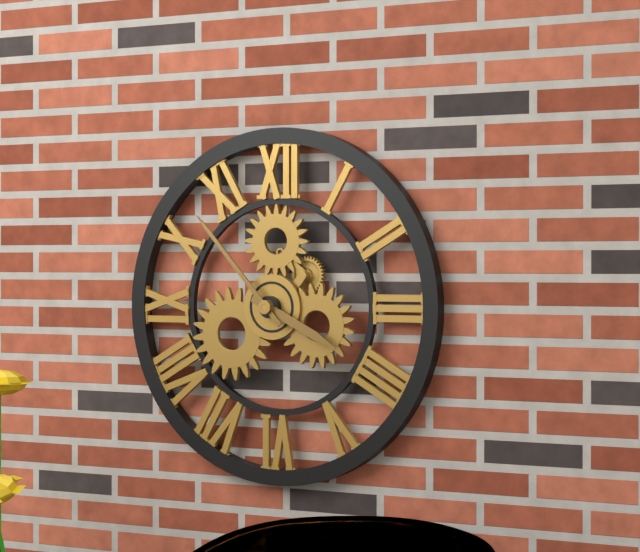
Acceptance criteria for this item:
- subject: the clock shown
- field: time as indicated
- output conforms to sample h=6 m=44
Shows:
h=3 m=53
